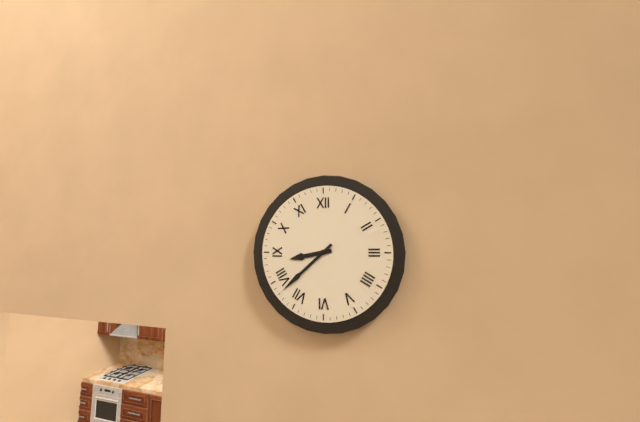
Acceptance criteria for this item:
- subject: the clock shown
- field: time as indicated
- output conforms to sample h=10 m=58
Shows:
h=8 m=38
